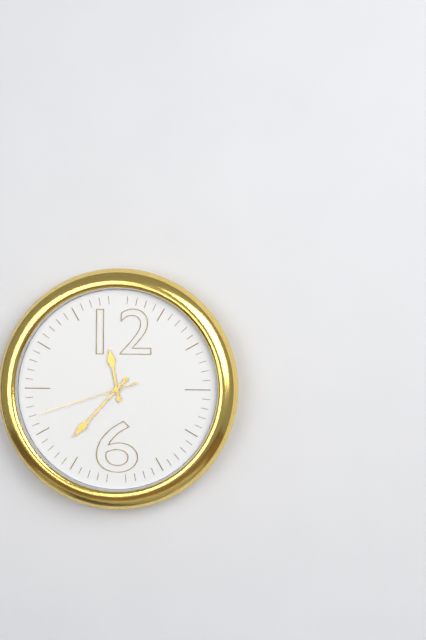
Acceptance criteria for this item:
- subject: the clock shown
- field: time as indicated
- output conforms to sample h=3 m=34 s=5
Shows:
h=11 m=37 s=42
